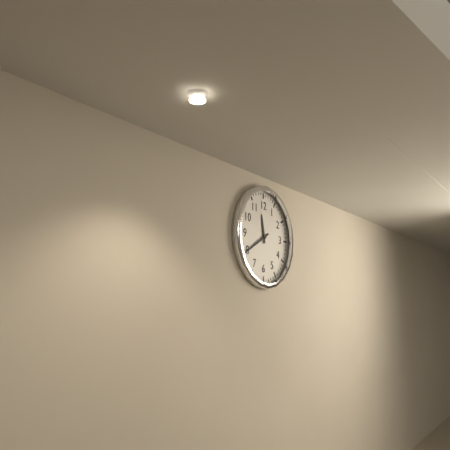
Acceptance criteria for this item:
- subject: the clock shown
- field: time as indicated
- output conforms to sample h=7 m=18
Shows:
h=11 m=40
